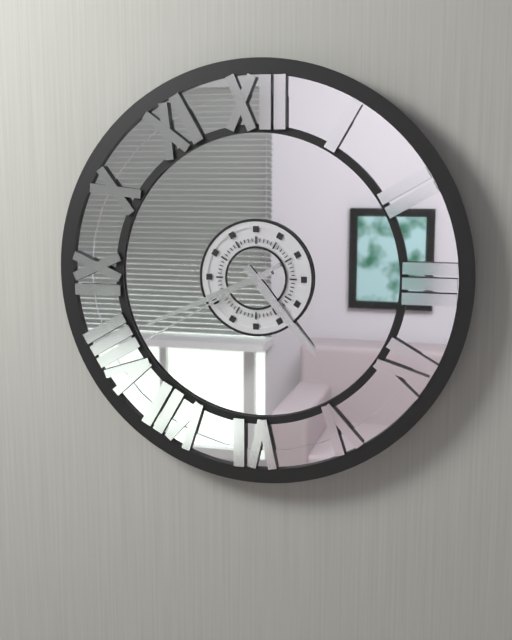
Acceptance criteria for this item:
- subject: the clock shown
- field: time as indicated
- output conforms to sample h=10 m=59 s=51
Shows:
h=4 m=41 s=40
